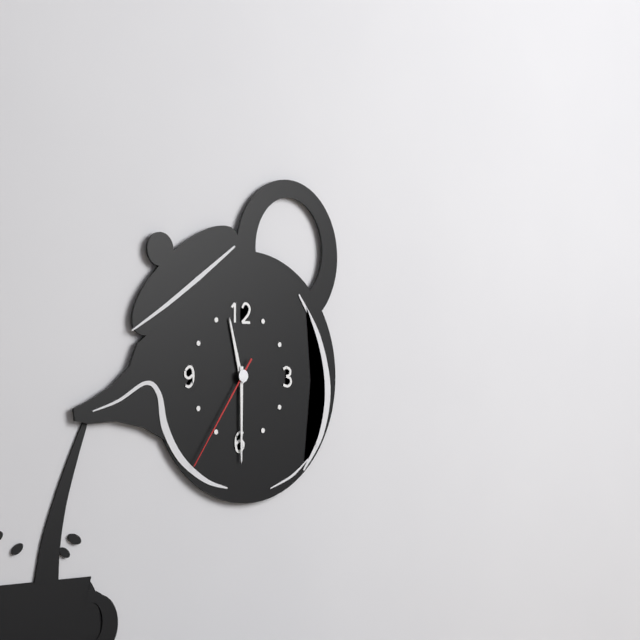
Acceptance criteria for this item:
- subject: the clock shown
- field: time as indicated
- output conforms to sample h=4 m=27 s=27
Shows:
h=11 m=30 s=36
